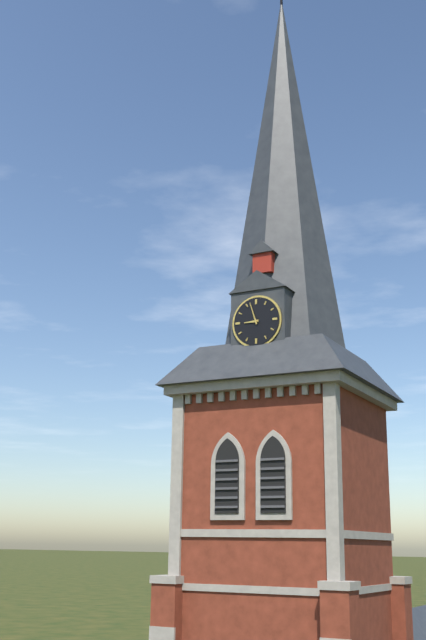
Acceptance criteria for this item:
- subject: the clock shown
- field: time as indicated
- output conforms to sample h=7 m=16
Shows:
h=8 m=57
